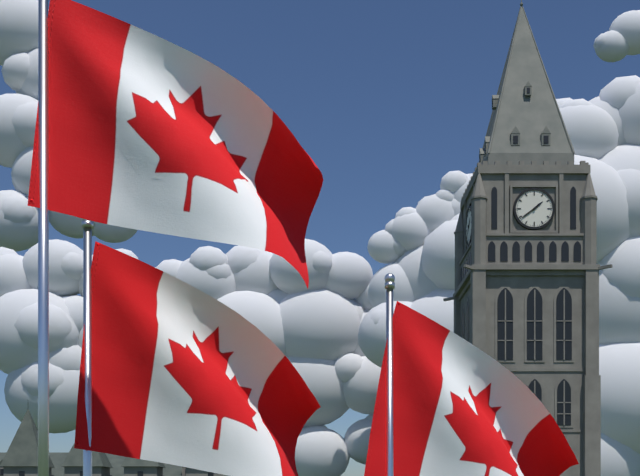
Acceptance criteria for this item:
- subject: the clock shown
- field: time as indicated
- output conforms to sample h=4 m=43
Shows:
h=1 m=39
